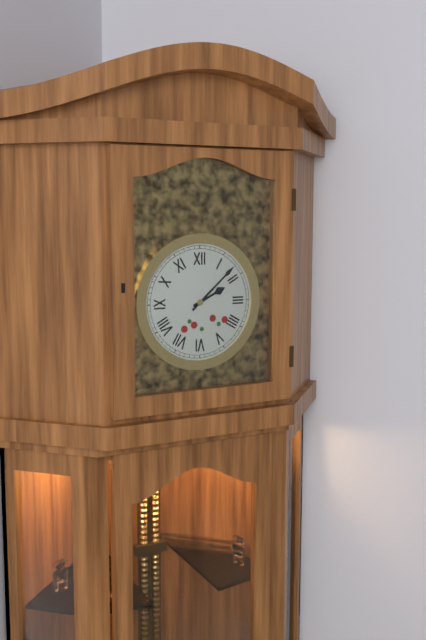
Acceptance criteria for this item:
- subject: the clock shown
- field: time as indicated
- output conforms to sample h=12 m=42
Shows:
h=2 m=8
